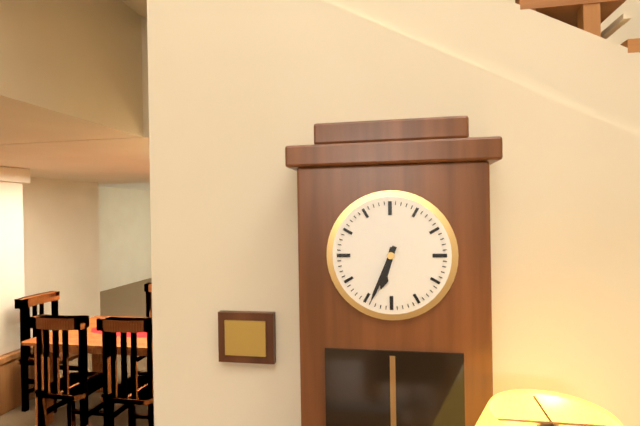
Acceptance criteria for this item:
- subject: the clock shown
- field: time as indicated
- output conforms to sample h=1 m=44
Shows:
h=6 m=34
